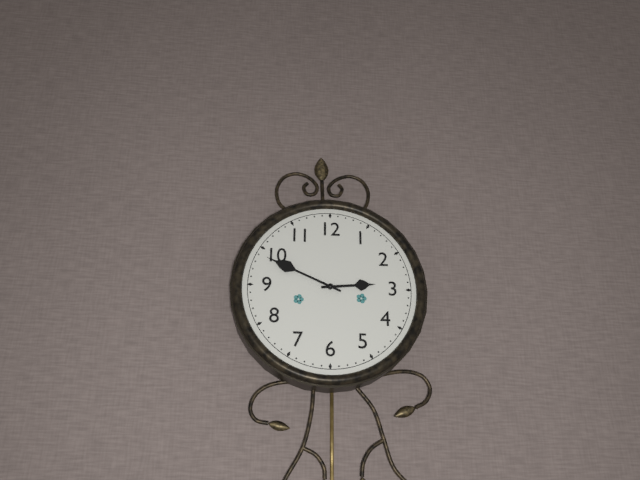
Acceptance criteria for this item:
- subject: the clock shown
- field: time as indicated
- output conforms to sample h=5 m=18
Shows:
h=2 m=49
